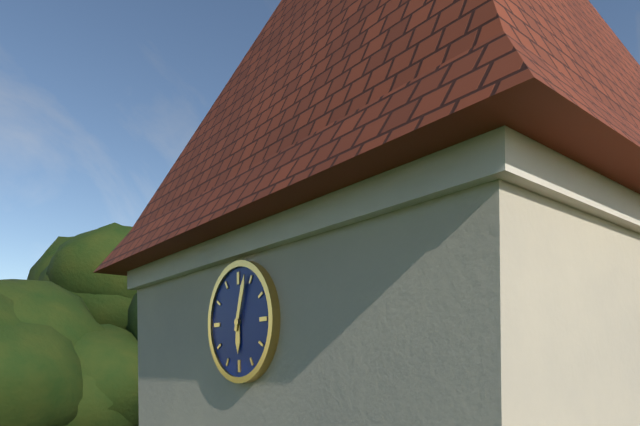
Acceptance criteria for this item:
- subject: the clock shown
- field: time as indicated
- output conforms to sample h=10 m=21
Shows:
h=6 m=3
